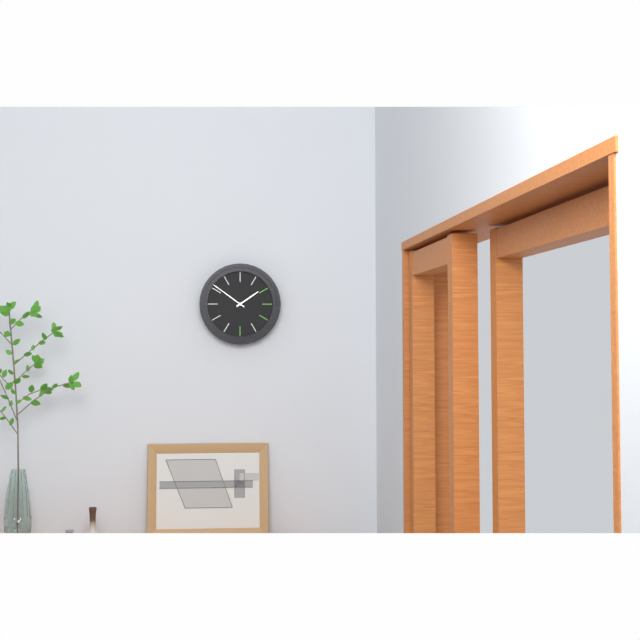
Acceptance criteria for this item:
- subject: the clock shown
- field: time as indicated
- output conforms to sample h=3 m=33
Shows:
h=1 m=51
